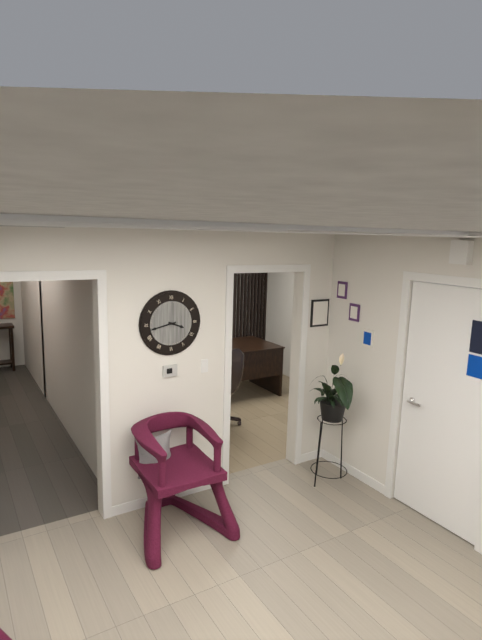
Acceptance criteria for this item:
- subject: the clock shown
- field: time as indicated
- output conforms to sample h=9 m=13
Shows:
h=3 m=43
